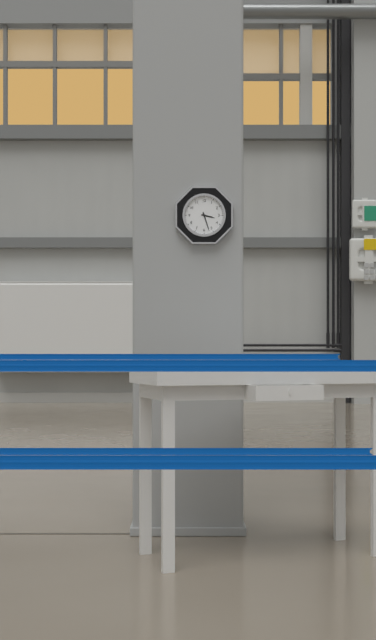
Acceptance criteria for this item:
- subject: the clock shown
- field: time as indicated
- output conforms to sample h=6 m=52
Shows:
h=3 m=27
